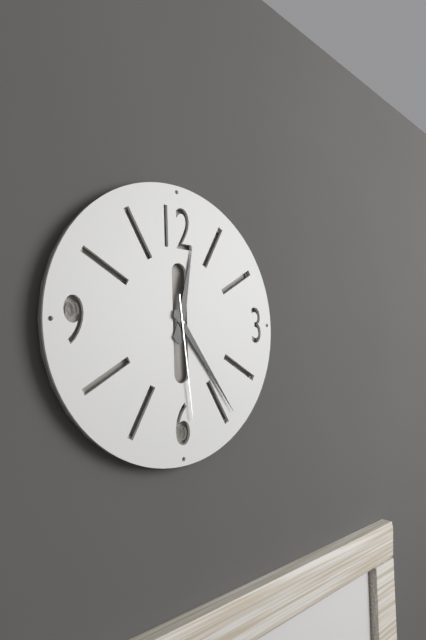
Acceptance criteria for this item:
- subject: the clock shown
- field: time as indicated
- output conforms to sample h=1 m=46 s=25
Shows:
h=12 m=24 s=29
